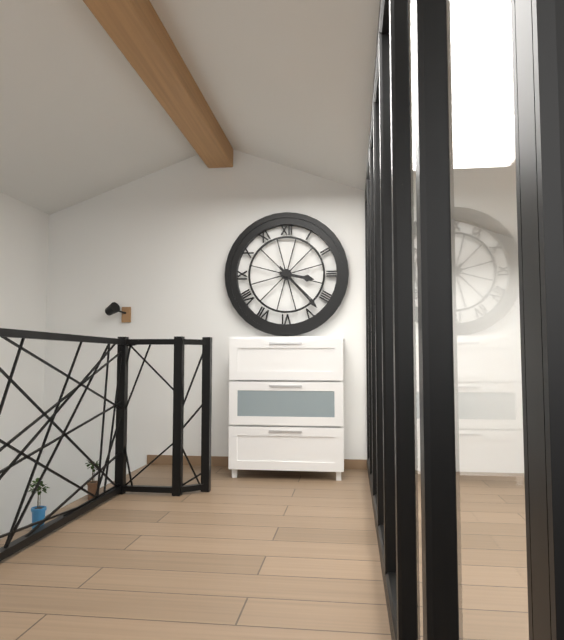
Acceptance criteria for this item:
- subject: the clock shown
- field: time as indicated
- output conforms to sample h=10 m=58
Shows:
h=3 m=23
